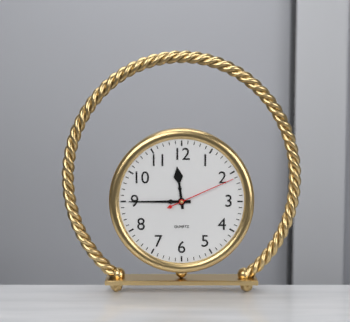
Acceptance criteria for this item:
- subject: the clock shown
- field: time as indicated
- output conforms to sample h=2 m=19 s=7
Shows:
h=11 m=45 s=11
